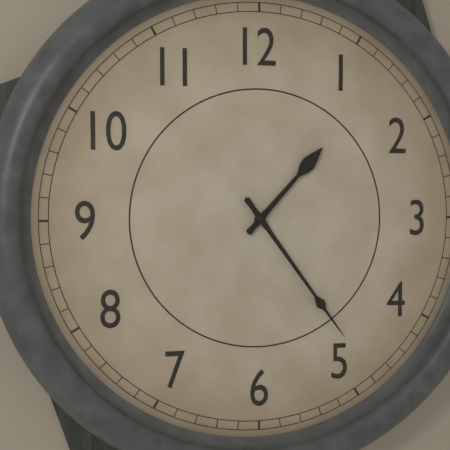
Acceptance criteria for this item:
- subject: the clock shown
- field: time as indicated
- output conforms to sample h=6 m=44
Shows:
h=1 m=24
